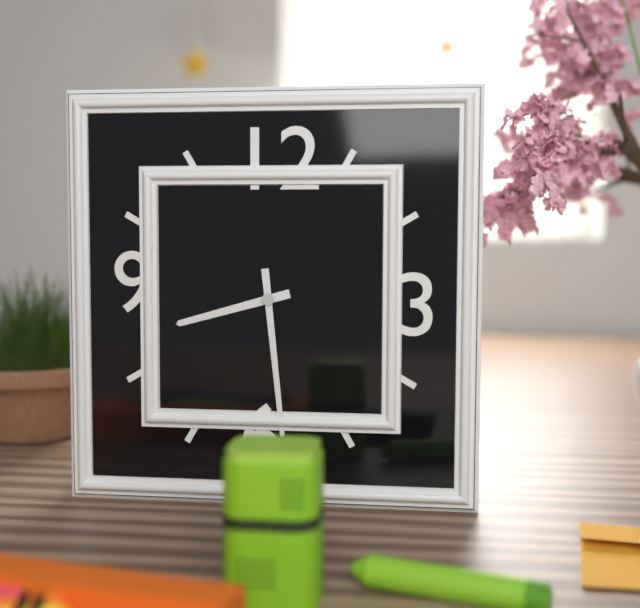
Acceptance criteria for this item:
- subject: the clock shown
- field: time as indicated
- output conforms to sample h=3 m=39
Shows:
h=8 m=29
